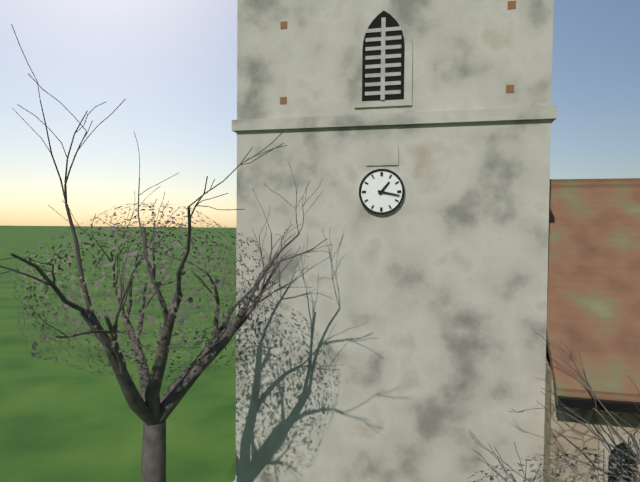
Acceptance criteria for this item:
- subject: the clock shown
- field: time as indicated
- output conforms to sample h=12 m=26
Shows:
h=1 m=17
